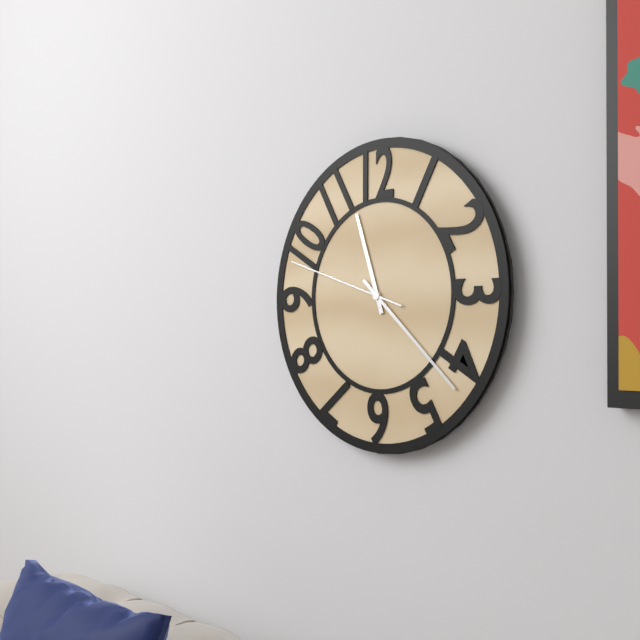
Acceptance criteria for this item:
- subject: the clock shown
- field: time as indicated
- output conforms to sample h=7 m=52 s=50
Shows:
h=11 m=22 s=48
